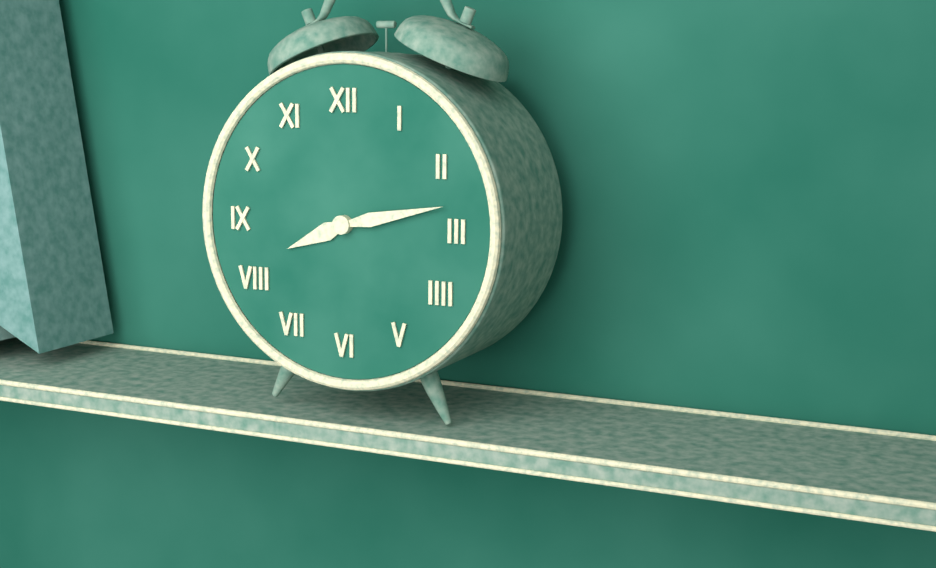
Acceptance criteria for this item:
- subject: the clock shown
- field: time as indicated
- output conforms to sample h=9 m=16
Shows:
h=8 m=13
